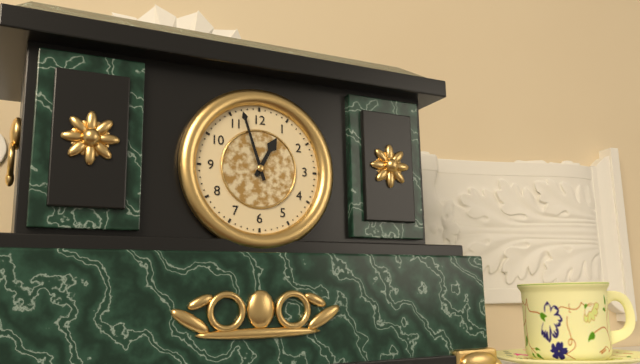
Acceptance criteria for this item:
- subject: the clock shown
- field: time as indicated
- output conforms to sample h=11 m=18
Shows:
h=12 m=57
